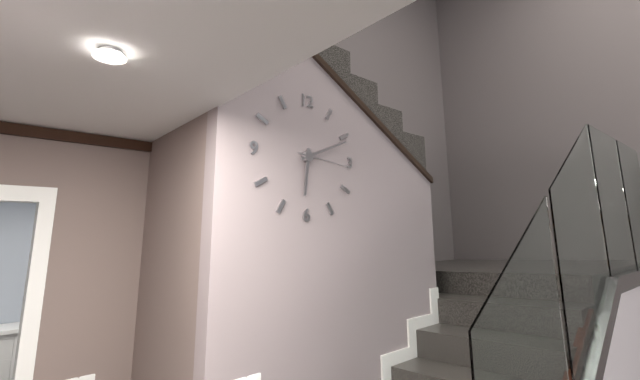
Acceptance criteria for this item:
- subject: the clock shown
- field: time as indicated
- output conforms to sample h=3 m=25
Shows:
h=6 m=11
